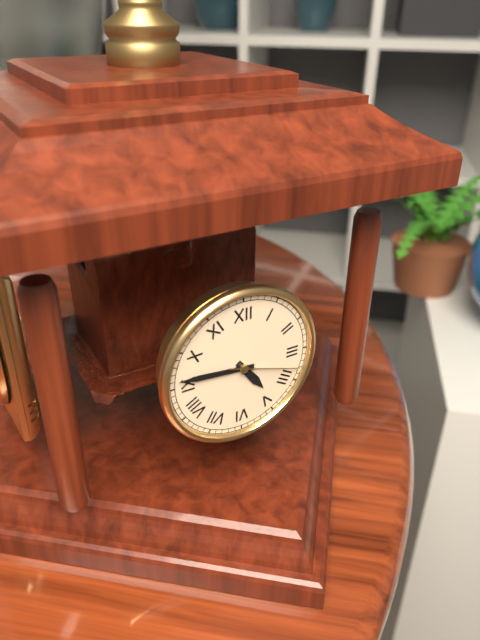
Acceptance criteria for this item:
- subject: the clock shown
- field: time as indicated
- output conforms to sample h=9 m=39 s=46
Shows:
h=4 m=46 s=18
